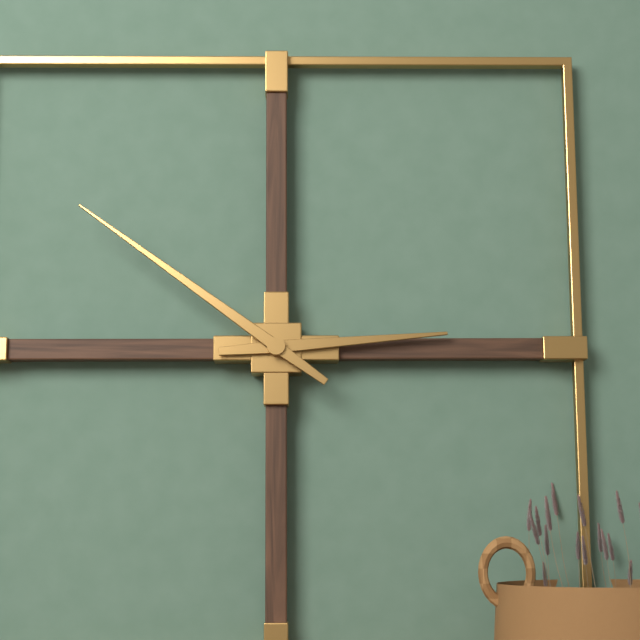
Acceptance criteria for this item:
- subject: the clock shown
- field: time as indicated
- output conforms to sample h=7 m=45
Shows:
h=2 m=51
